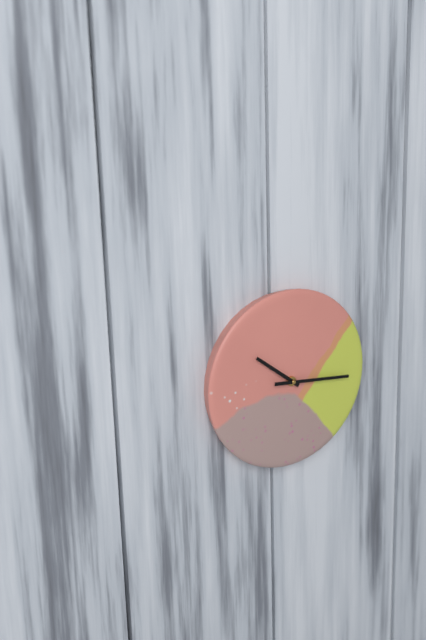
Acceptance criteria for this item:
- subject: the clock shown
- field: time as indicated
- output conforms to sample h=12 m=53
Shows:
h=10 m=16
